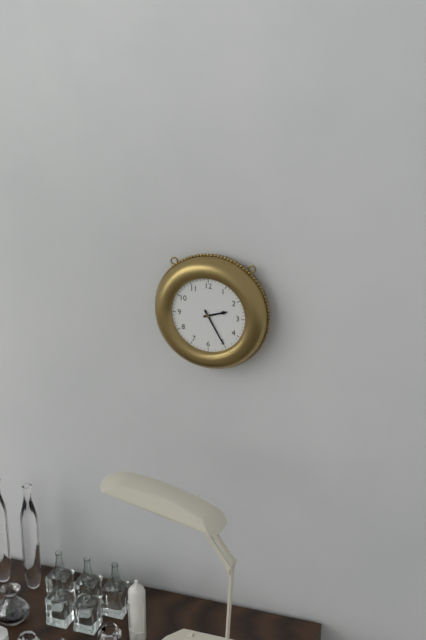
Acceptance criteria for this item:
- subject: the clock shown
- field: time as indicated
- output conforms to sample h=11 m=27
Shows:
h=2 m=25
